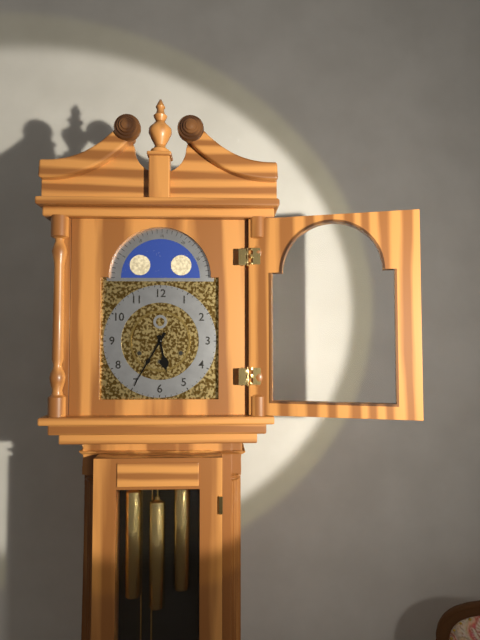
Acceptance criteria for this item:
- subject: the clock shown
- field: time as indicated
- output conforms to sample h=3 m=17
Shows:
h=5 m=35
